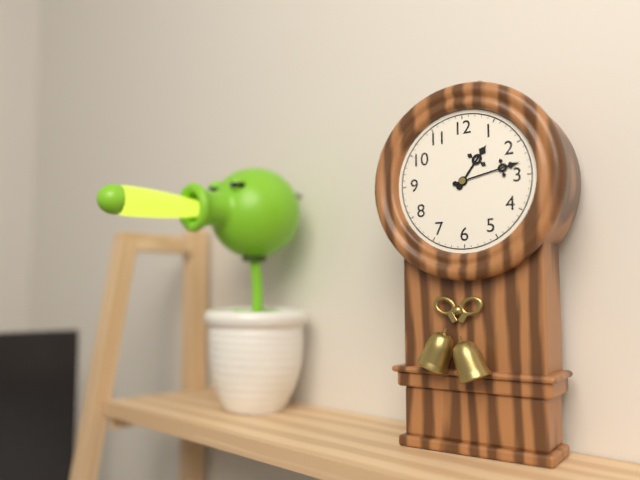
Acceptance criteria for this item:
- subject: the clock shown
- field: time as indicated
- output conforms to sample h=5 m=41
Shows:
h=1 m=13
